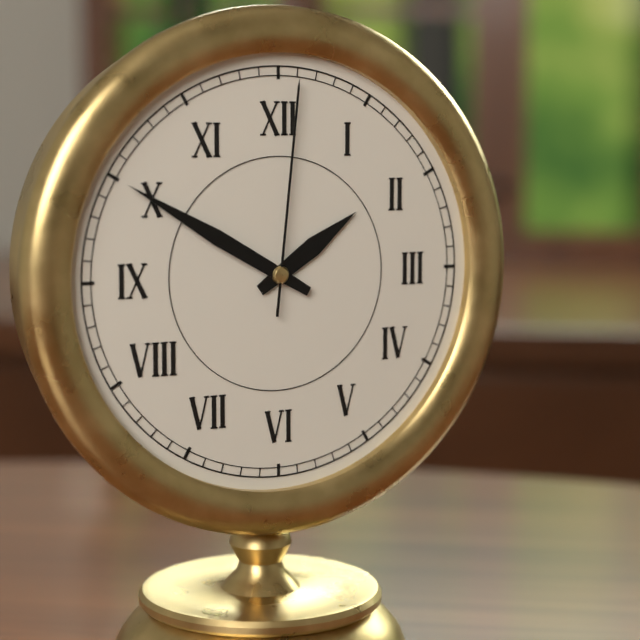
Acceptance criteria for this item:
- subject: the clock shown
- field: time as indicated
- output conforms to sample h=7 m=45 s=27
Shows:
h=1 m=50 s=1
